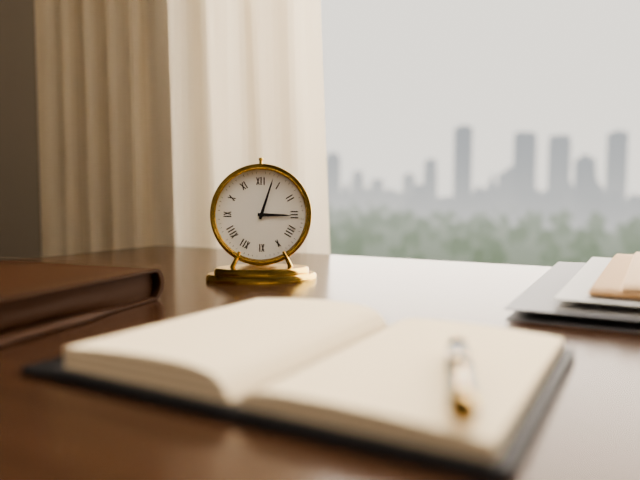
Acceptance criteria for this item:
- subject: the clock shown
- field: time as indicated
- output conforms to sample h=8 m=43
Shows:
h=3 m=3
